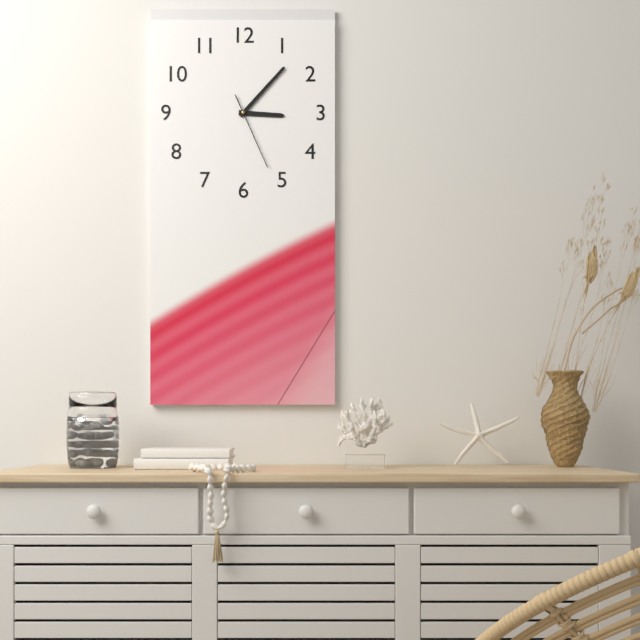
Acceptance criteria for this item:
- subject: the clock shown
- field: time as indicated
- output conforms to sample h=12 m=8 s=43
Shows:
h=3 m=7 s=26
